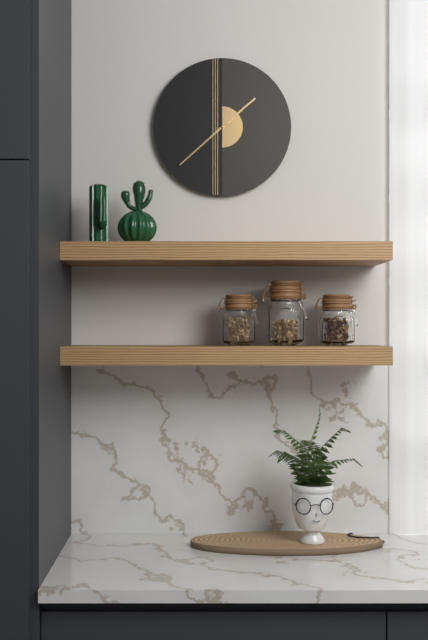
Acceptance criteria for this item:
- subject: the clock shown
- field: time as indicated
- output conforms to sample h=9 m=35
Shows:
h=1 m=38
